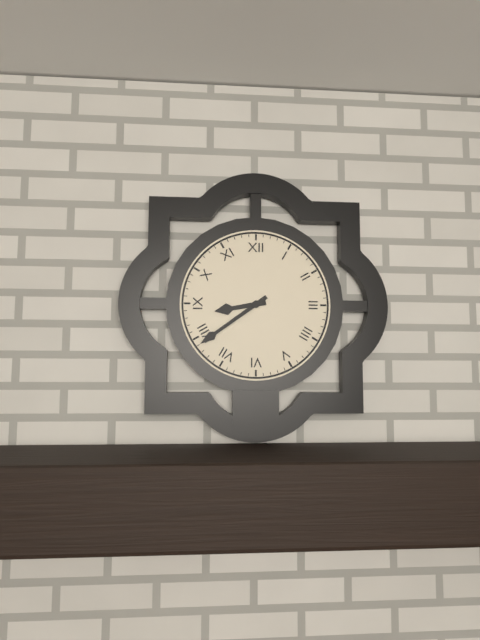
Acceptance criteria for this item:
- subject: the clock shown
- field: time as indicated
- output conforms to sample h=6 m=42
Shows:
h=8 m=39
